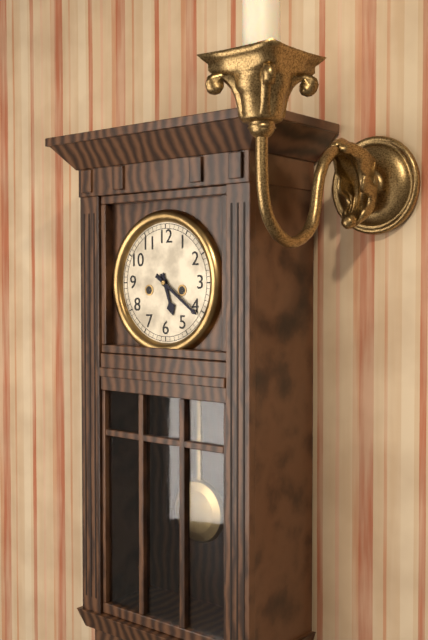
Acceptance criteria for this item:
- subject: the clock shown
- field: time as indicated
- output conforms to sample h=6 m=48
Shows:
h=5 m=21
